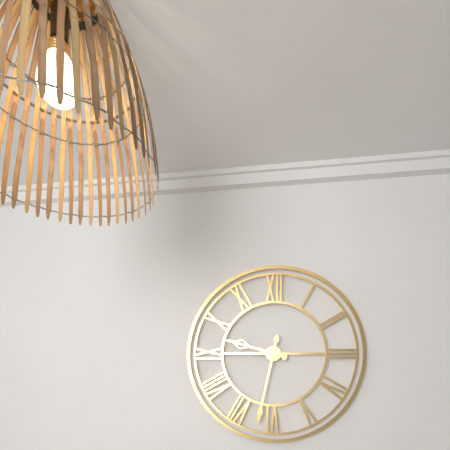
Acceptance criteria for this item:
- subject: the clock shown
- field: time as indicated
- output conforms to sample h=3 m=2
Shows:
h=9 m=32
